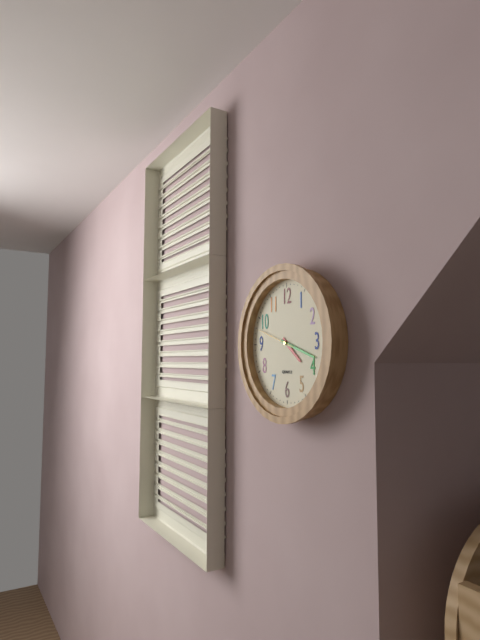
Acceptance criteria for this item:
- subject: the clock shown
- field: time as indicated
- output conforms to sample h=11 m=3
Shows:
h=4 m=18
